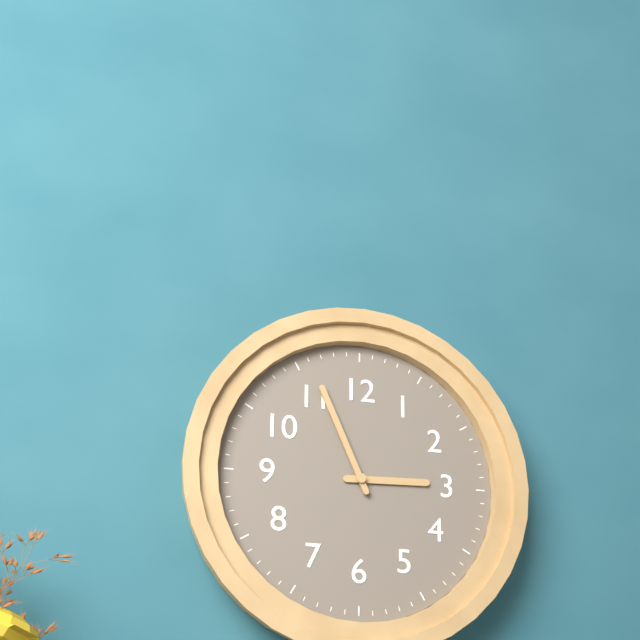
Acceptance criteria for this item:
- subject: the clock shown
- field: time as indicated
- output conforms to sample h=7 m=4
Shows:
h=2 m=56
